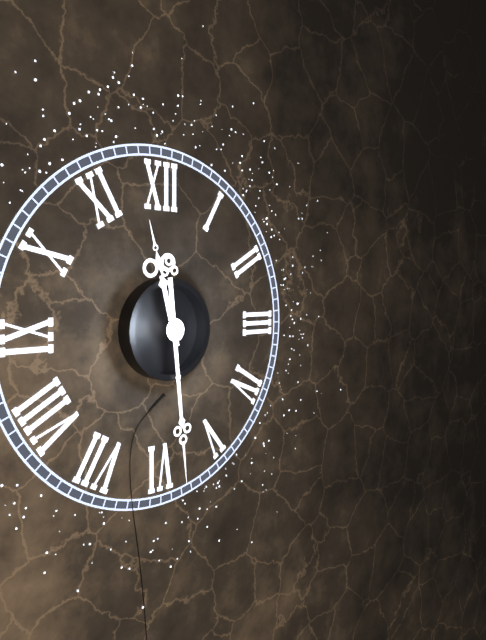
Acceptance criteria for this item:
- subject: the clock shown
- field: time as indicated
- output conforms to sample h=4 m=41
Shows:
h=11 m=29
